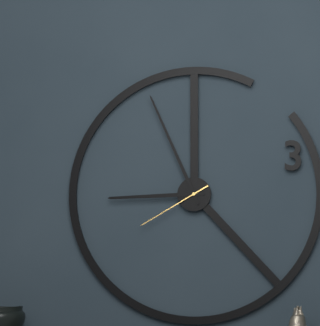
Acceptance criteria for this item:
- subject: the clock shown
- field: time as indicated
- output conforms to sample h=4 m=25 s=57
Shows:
h=8 m=56 s=40
